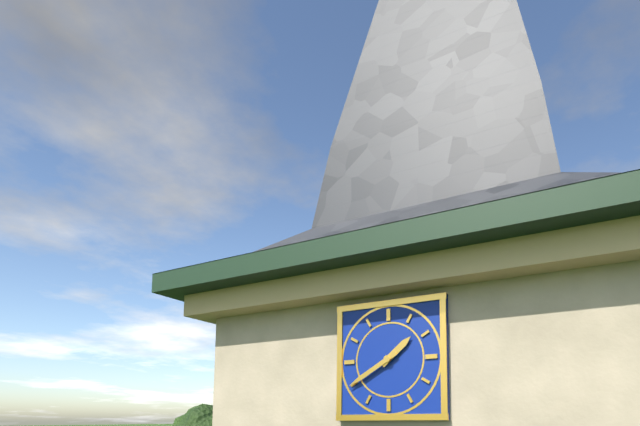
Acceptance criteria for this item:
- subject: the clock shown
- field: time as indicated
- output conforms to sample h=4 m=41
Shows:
h=1 m=40
